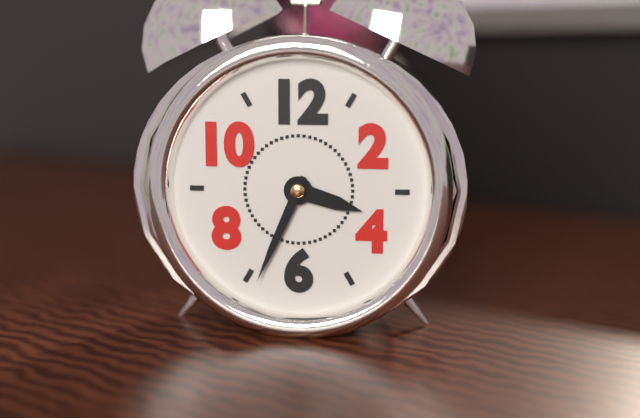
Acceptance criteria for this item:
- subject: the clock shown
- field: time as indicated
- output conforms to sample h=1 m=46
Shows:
h=3 m=34
